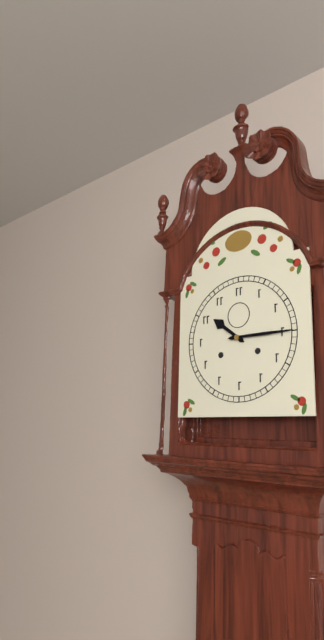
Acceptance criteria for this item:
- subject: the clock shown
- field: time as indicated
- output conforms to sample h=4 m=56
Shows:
h=10 m=15
